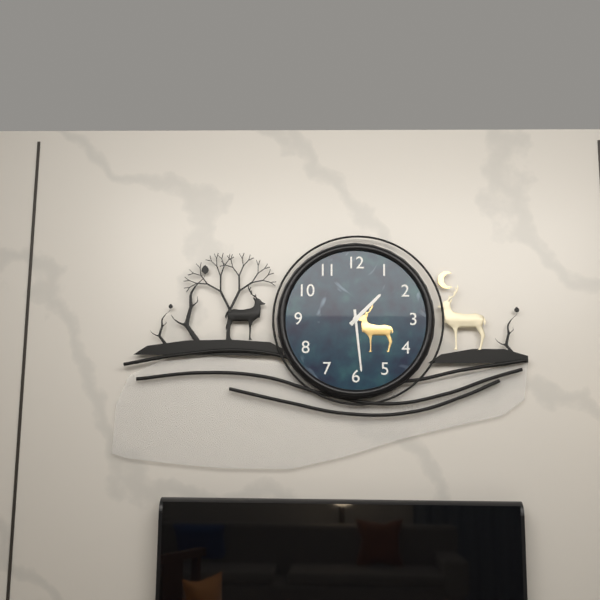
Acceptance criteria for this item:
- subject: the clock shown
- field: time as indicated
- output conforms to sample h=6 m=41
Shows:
h=1 m=29
